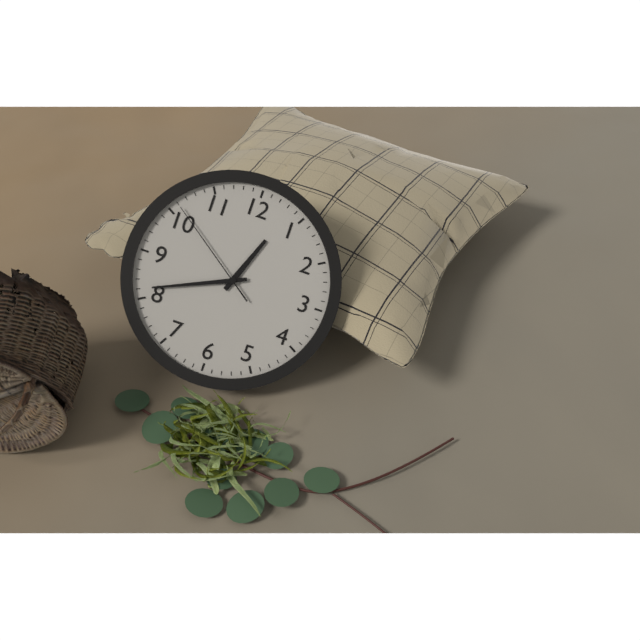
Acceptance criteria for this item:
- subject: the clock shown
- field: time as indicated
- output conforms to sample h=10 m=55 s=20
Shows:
h=12 m=41 s=51
